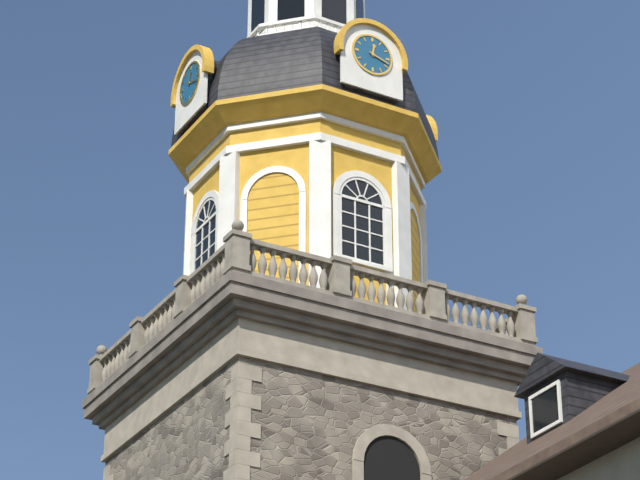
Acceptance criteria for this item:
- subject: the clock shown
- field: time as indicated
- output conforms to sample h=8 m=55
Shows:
h=12 m=18
